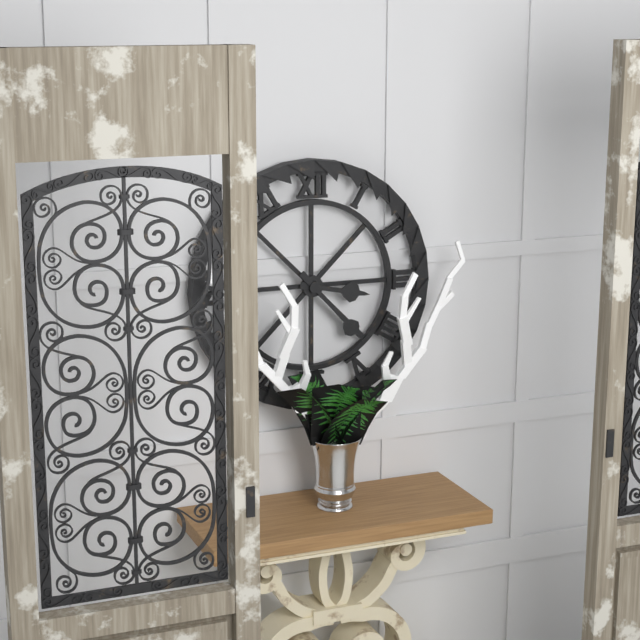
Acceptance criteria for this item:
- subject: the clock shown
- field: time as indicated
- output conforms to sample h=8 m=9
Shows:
h=3 m=23
